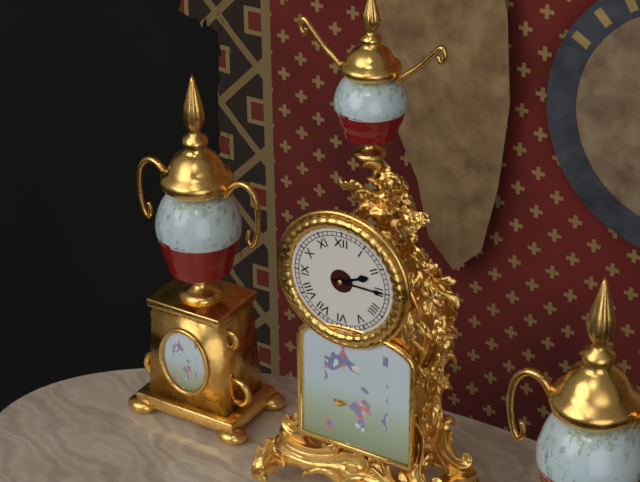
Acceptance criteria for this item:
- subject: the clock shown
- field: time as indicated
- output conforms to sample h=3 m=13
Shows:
h=2 m=15
